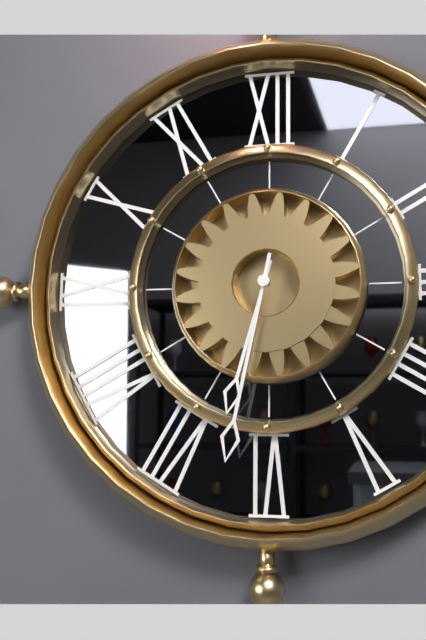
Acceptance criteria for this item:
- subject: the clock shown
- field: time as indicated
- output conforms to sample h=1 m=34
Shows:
h=6 m=32
